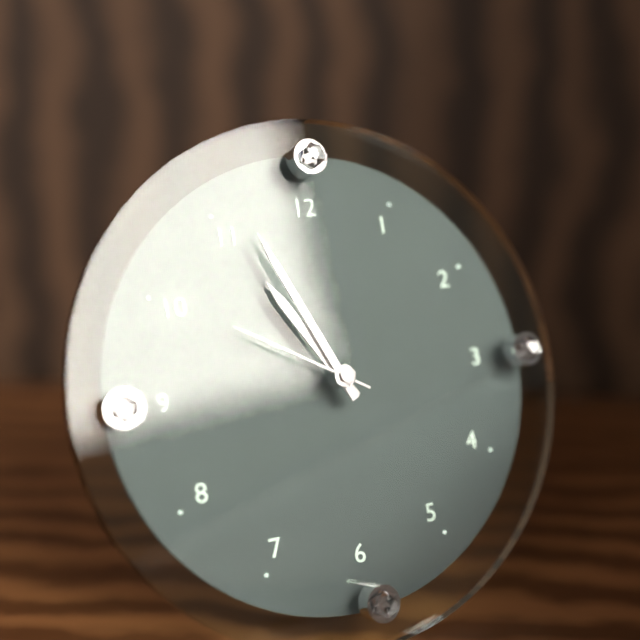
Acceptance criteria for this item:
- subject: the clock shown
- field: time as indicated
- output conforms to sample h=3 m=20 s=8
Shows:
h=10 m=56 s=50
